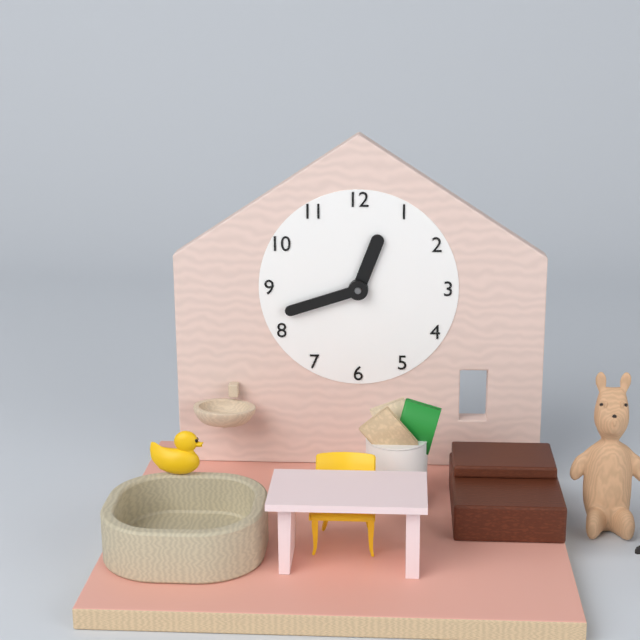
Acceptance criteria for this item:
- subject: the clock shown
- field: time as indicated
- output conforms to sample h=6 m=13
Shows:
h=12 m=42
